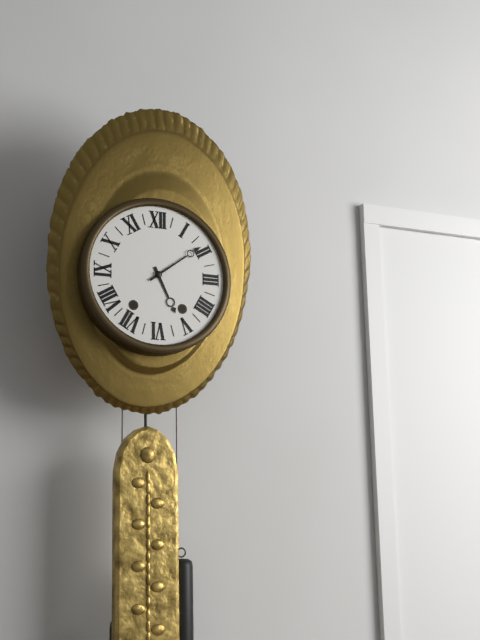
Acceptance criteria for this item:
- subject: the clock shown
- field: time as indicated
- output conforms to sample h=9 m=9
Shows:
h=5 m=9
